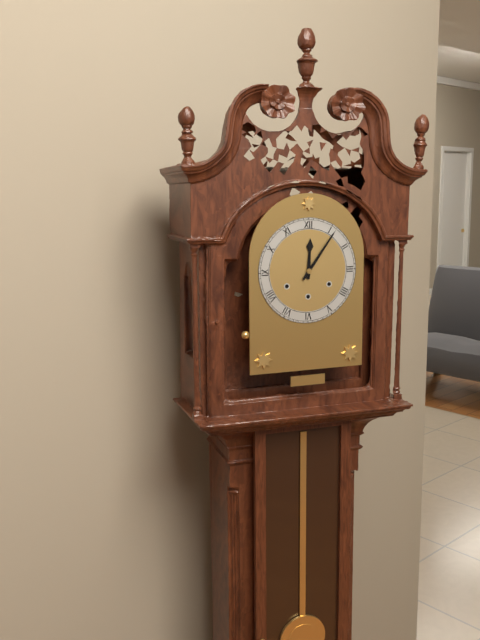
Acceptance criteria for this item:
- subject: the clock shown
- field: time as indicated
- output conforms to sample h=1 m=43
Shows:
h=12 m=6
